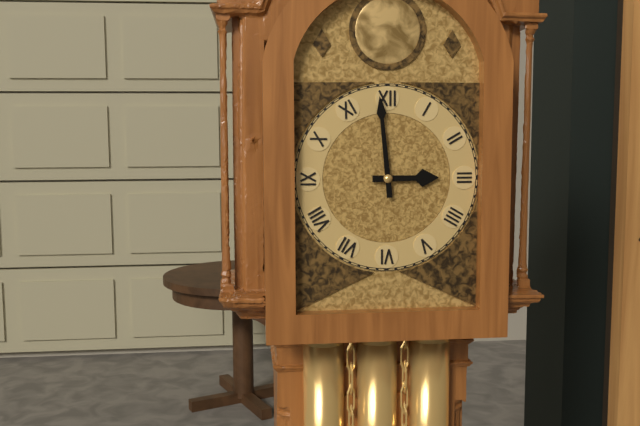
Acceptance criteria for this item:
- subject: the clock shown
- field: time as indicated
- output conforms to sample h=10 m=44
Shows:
h=2 m=59
